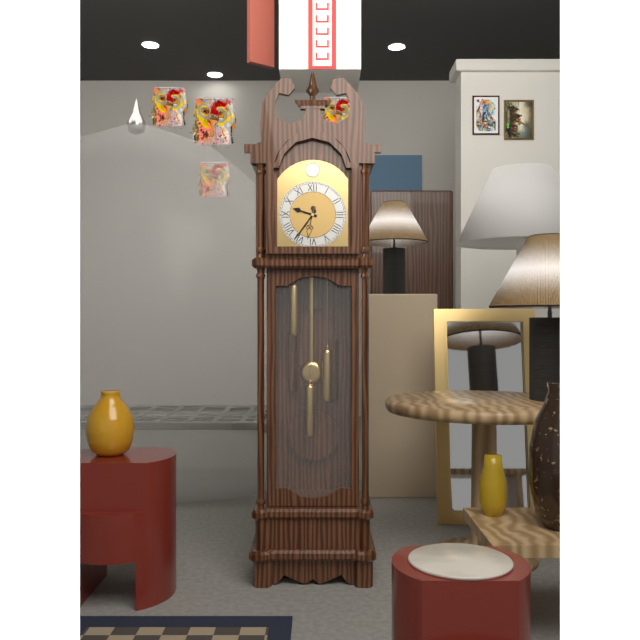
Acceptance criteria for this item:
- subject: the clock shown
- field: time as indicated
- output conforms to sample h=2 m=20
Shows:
h=9 m=36
